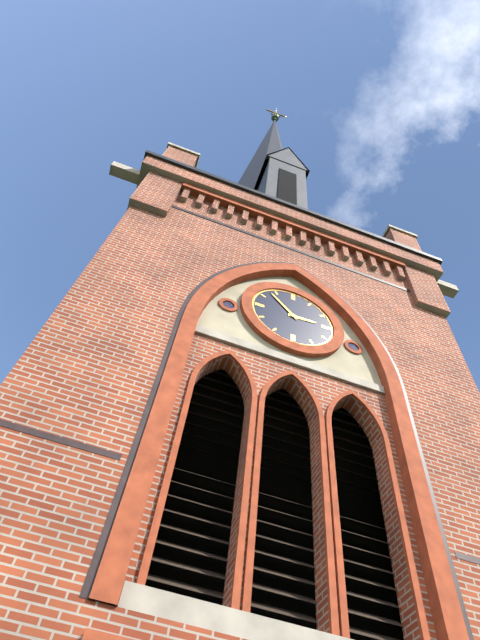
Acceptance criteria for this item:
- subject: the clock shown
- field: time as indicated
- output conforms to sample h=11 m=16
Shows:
h=2 m=53
